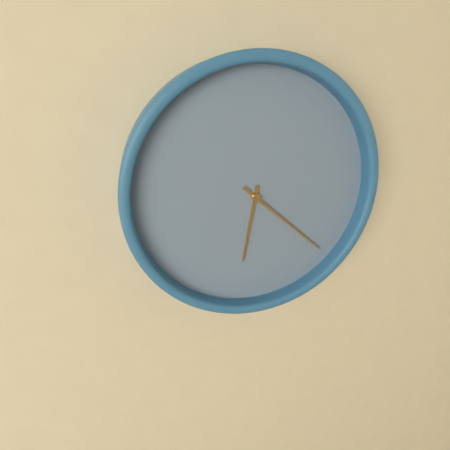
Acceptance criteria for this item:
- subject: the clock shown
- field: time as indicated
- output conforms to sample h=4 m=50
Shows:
h=6 m=22
